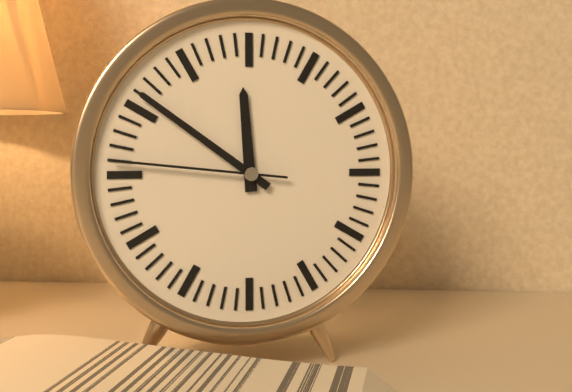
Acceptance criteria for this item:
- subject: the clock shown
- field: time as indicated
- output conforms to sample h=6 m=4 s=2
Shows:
h=11 m=51 s=46
